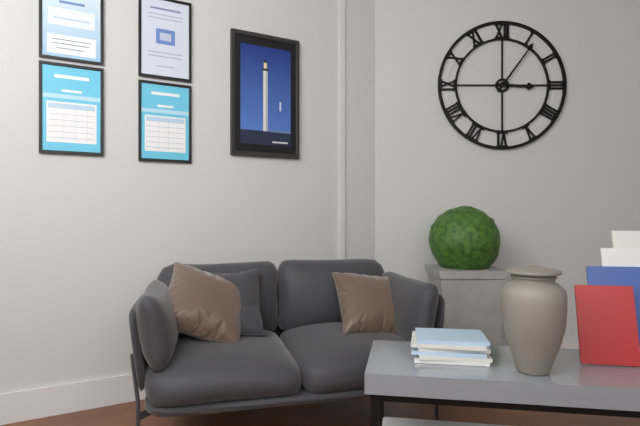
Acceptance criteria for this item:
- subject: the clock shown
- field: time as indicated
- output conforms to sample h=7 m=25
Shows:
h=3 m=6
